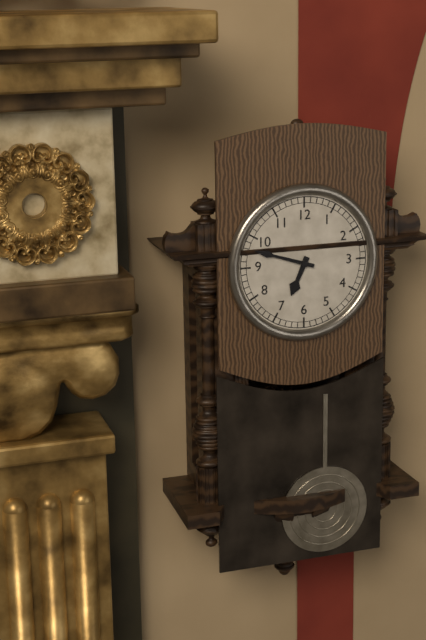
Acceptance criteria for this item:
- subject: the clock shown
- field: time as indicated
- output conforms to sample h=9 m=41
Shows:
h=6 m=48
